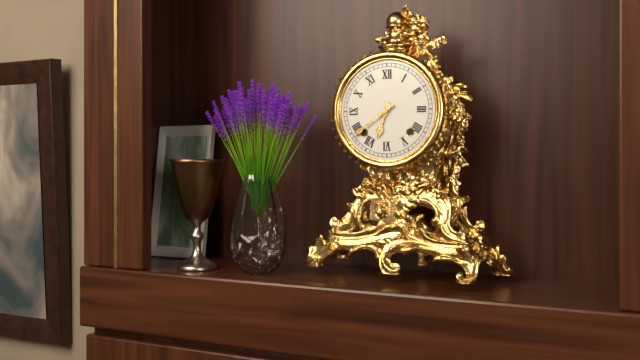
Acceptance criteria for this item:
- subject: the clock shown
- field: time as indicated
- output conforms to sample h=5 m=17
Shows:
h=6 m=39
